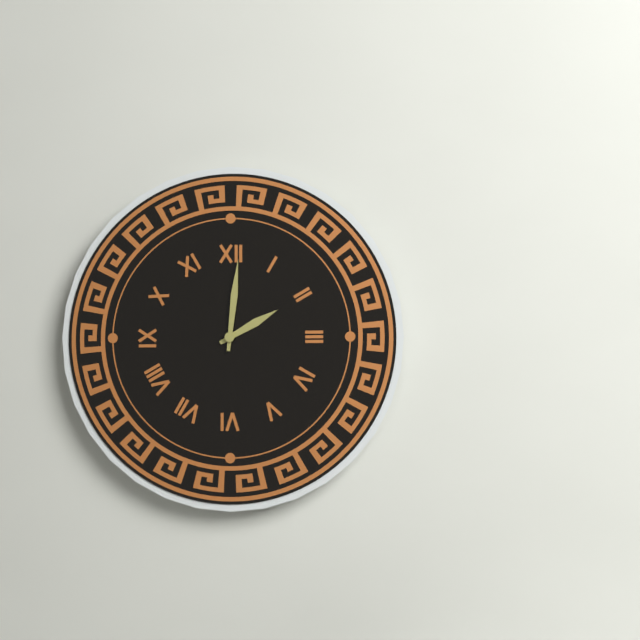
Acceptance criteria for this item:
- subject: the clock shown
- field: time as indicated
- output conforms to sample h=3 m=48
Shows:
h=2 m=1
